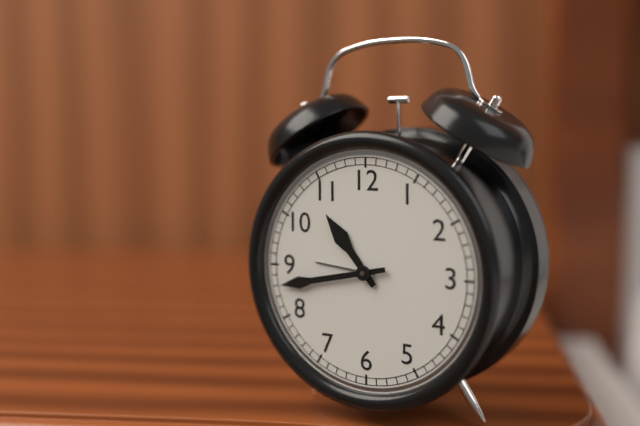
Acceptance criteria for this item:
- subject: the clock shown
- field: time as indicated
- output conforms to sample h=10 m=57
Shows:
h=10 m=43
